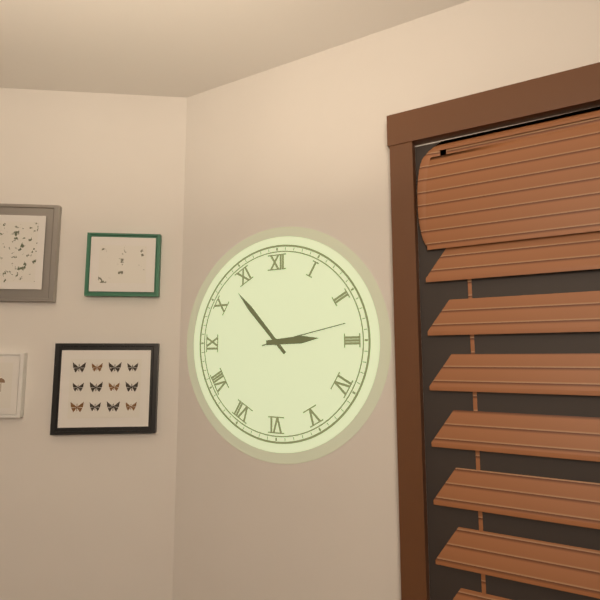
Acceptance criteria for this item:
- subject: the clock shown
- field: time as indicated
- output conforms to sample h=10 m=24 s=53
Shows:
h=2 m=53 s=13
